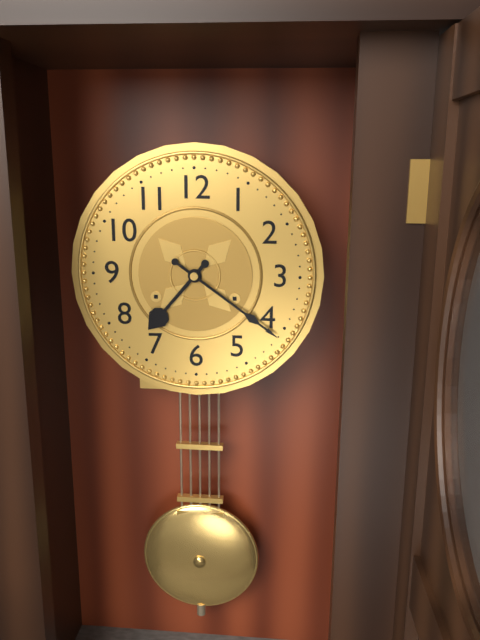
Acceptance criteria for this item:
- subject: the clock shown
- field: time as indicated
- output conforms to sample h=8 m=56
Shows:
h=7 m=21
